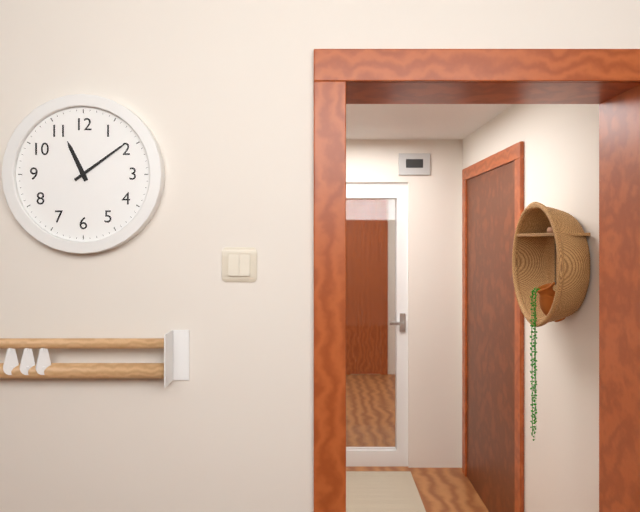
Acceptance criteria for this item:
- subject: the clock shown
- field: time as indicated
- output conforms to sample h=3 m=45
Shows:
h=11 m=9
